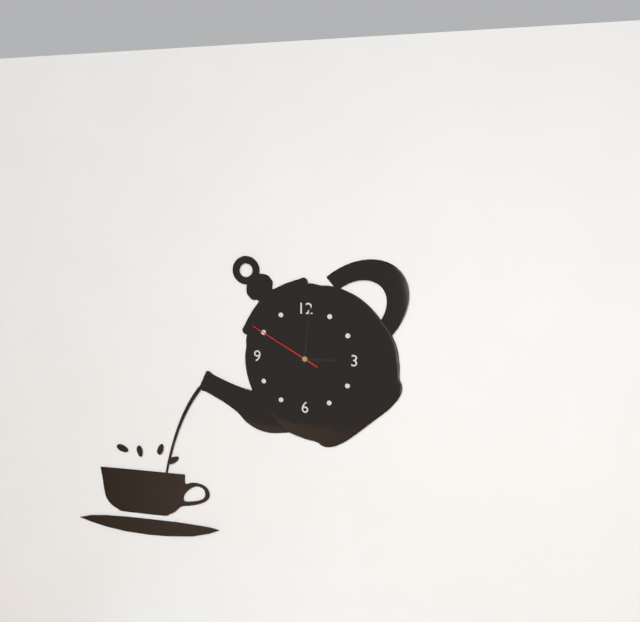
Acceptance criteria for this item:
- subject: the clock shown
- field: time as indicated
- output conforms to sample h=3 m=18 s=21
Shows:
h=3 m=1 s=50
